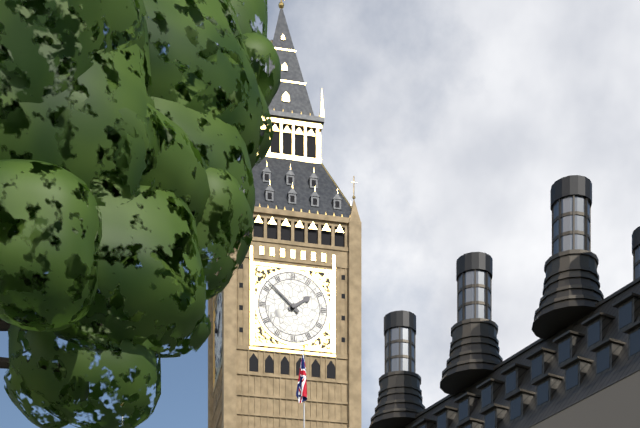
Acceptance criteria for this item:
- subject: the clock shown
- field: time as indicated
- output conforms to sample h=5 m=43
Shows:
h=1 m=52
